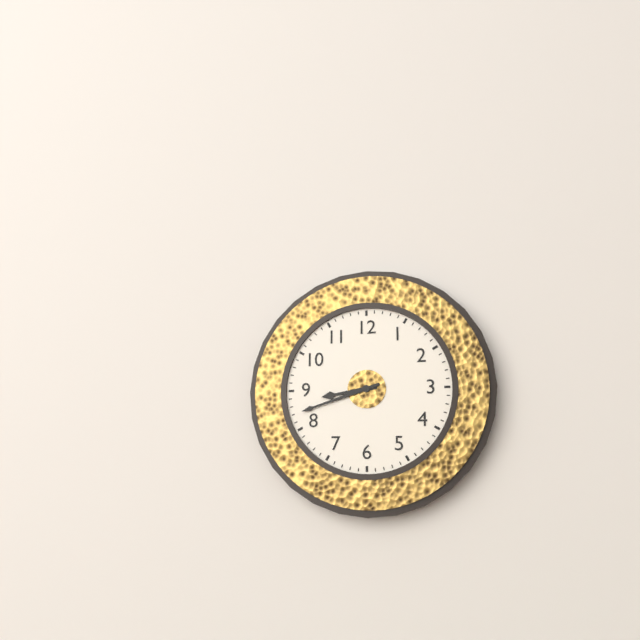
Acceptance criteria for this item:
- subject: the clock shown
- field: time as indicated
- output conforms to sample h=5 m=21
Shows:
h=8 m=42
